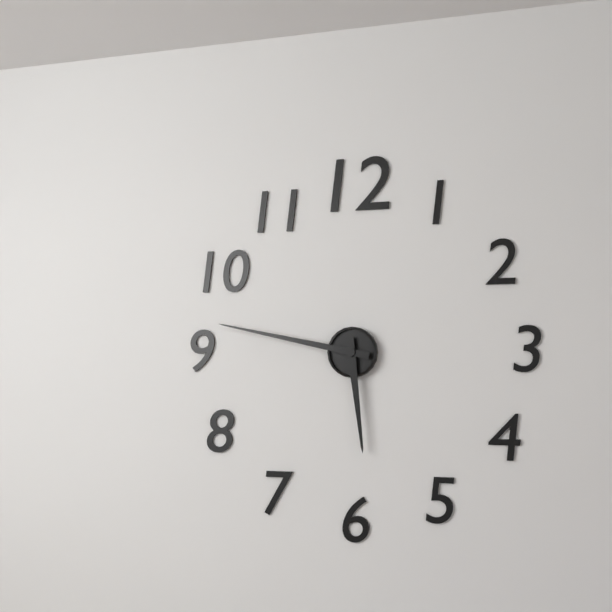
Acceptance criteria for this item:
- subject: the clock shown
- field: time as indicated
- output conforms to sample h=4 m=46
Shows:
h=5 m=47
